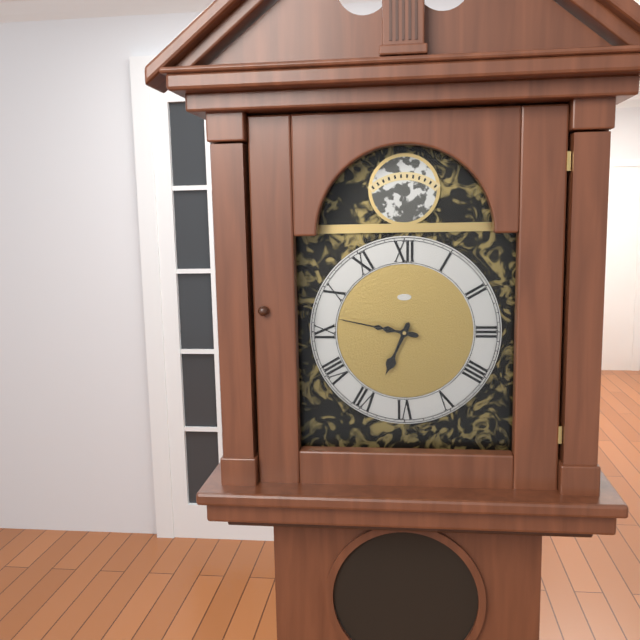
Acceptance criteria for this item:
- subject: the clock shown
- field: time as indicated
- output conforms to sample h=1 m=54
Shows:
h=6 m=47
